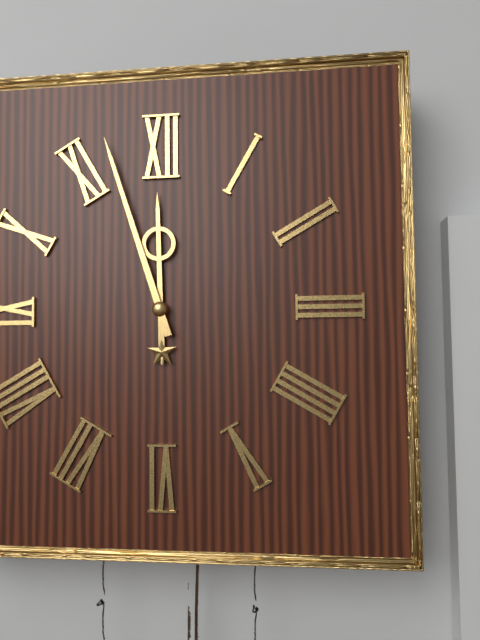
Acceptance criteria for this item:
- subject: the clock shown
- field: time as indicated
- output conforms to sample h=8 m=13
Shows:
h=11 m=57
